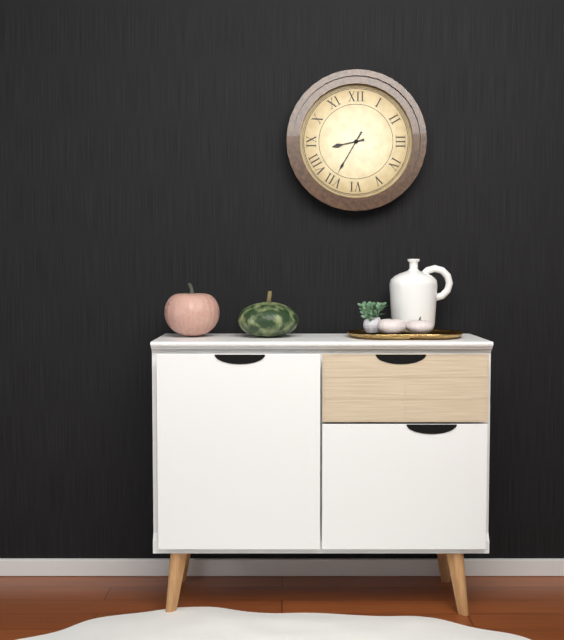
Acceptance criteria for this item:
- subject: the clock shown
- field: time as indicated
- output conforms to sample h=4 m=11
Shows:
h=8 m=35
